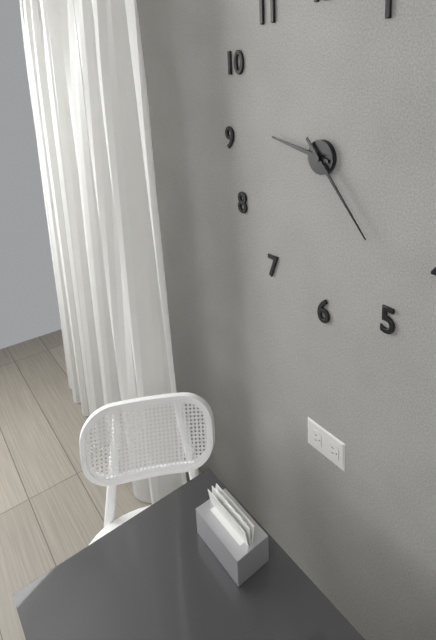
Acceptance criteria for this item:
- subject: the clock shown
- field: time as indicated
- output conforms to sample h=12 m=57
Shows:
h=9 m=23
